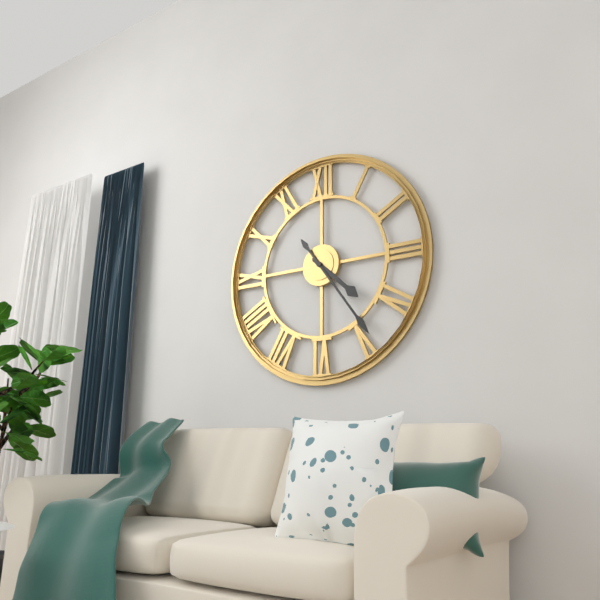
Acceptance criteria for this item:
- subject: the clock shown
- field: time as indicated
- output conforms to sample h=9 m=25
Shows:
h=4 m=24
